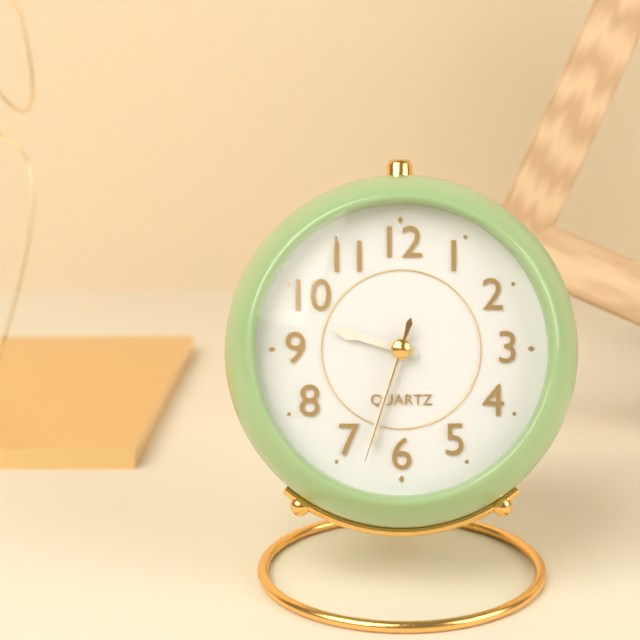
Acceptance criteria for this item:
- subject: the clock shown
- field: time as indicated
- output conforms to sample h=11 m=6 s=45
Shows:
h=9 m=33 s=33
